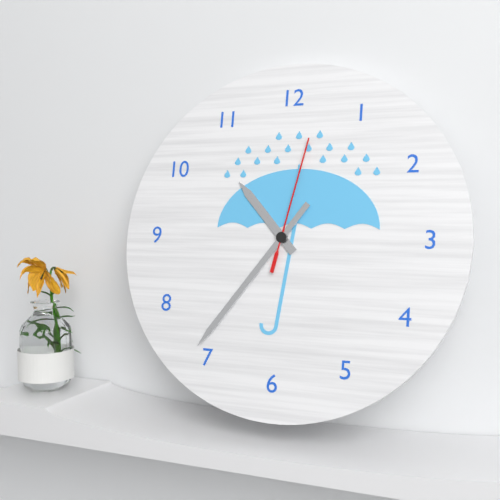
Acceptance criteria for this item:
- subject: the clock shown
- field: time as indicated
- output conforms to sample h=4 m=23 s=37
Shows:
h=10 m=36 s=2
